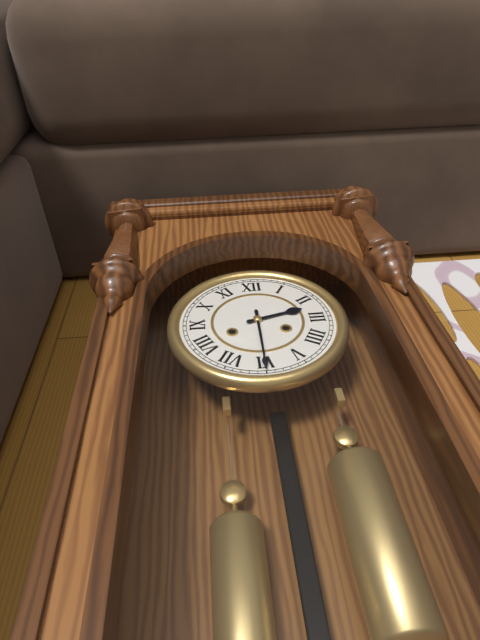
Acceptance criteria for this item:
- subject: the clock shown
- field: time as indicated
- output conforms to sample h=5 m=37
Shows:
h=2 m=30
